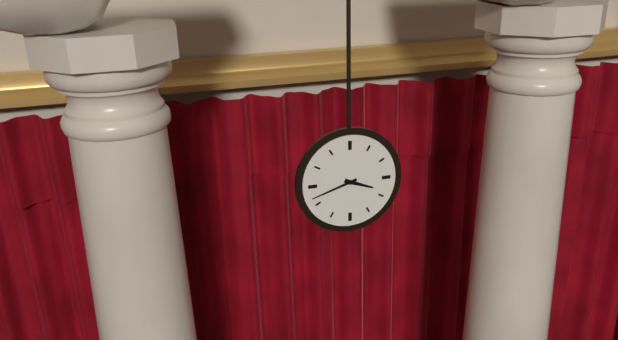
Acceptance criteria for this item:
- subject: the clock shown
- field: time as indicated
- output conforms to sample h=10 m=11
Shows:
h=3 m=42
